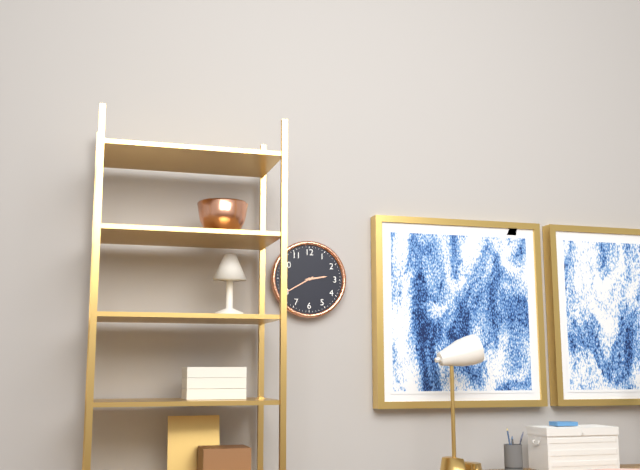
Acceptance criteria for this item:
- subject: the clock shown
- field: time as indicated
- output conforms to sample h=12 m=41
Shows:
h=2 m=40
